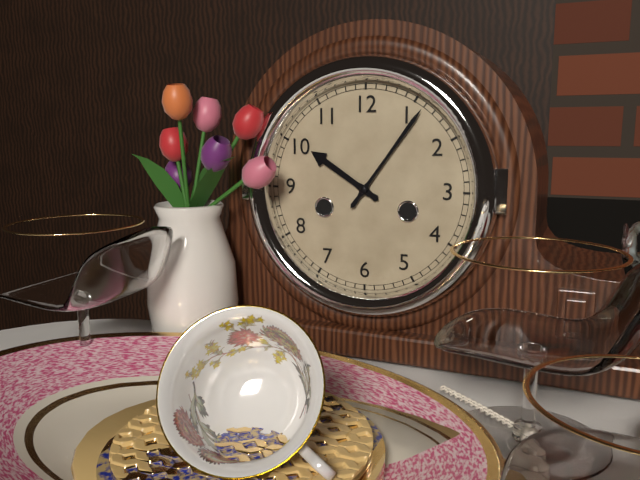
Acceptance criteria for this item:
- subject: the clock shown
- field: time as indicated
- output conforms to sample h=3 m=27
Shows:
h=10 m=6
